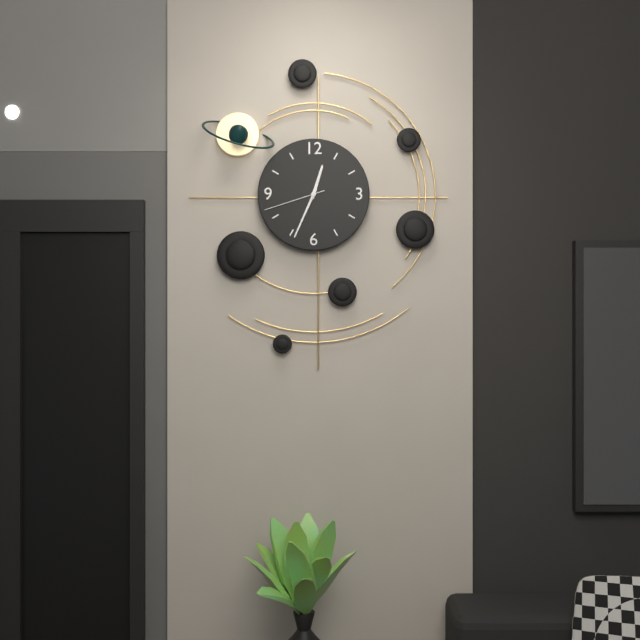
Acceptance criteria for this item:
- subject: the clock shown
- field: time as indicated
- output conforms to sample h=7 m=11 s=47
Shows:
h=12 m=34 s=42
